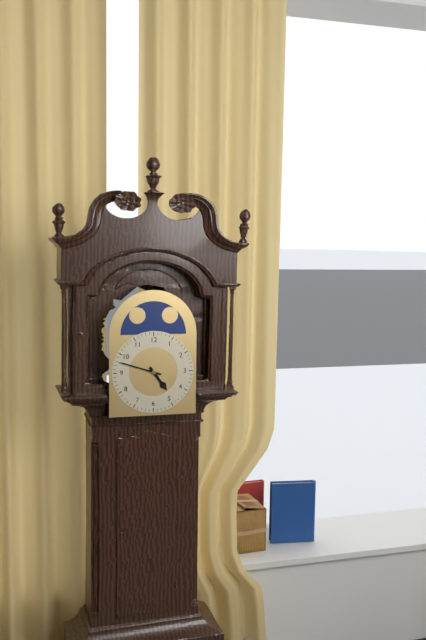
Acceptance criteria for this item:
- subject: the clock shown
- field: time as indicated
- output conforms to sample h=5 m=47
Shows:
h=4 m=48
